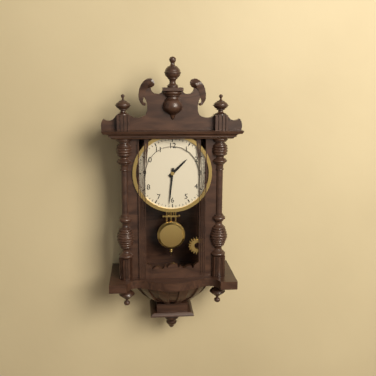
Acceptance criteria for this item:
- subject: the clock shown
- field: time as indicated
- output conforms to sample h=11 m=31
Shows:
h=1 m=31
